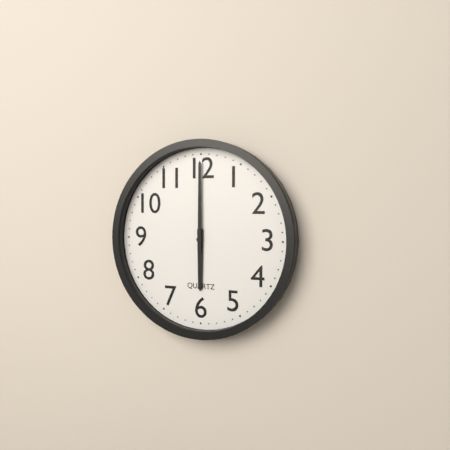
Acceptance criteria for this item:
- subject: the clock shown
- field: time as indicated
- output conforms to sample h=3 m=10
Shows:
h=6 m=0
